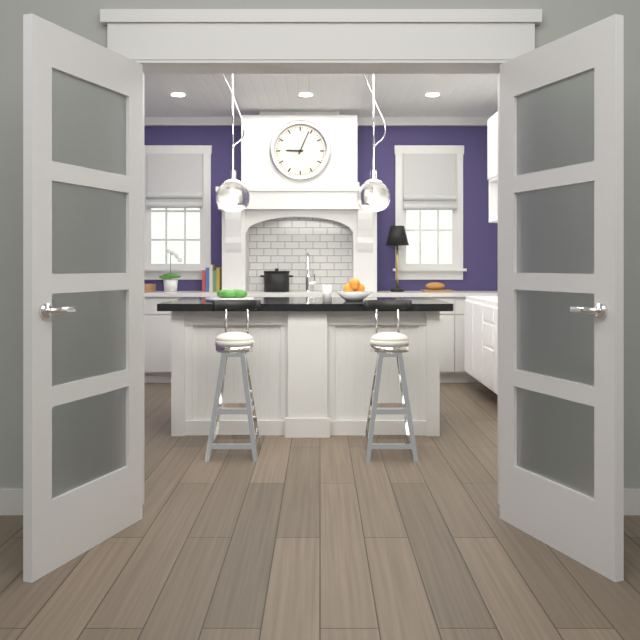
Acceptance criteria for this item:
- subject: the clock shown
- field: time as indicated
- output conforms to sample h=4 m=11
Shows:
h=9 m=4
